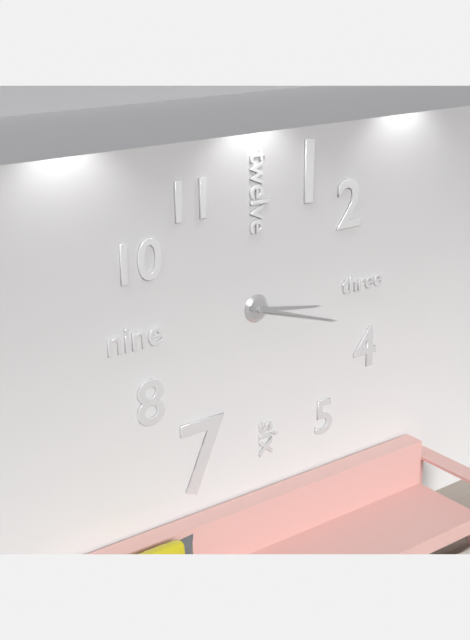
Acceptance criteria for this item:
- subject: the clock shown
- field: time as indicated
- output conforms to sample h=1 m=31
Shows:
h=3 m=18
